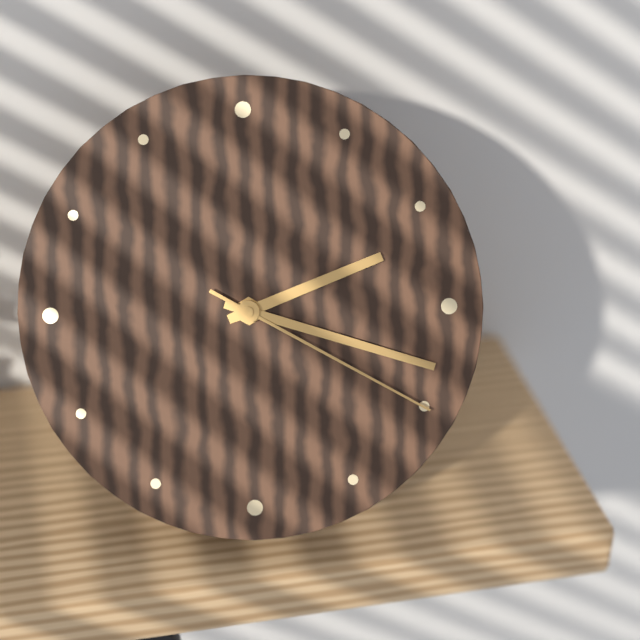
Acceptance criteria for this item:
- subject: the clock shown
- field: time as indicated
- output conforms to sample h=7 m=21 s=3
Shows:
h=2 m=18 s=20
